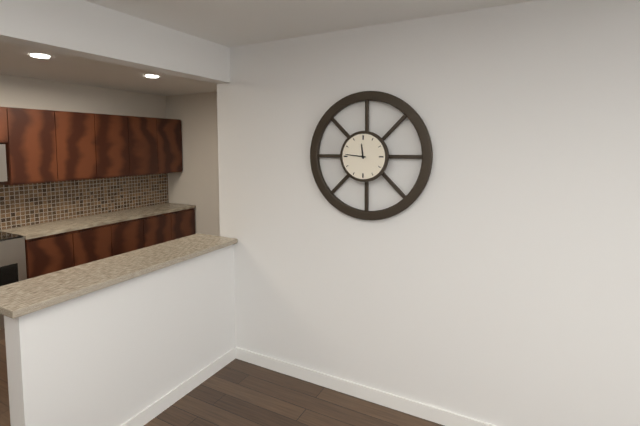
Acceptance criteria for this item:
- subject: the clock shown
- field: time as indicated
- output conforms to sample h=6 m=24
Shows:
h=11 m=46
